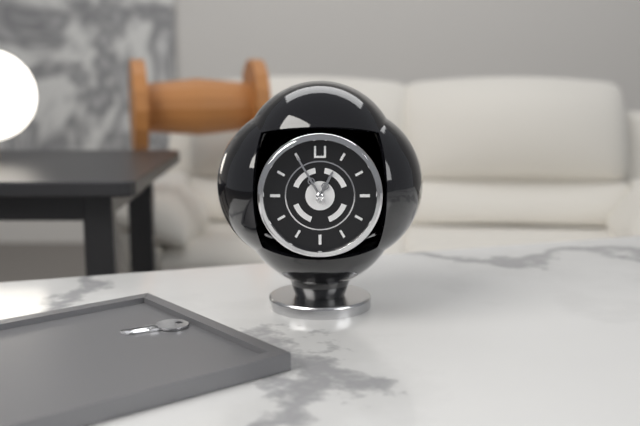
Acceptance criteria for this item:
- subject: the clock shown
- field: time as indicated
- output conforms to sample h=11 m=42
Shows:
h=12 m=55
